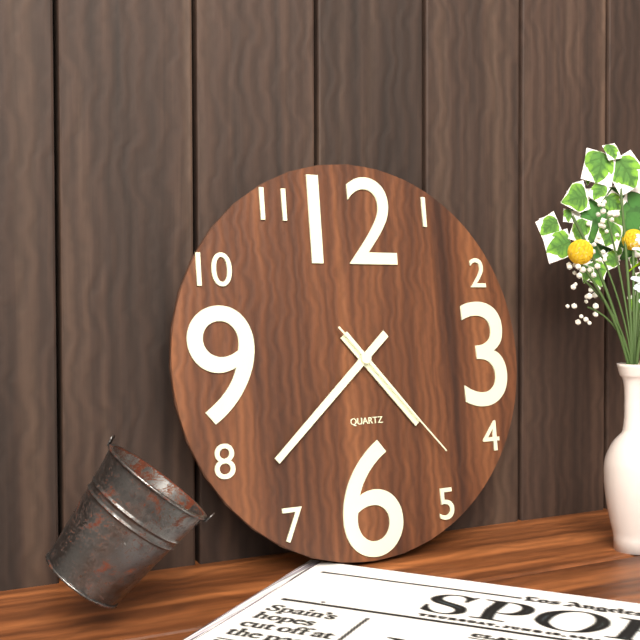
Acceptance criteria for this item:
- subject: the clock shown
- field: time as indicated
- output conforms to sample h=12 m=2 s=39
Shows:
h=4 m=38 s=23
